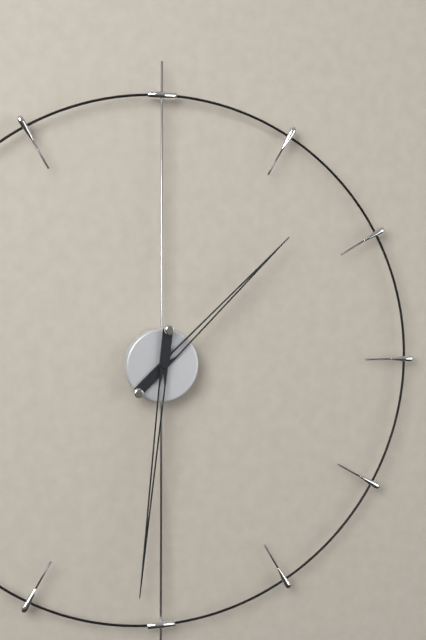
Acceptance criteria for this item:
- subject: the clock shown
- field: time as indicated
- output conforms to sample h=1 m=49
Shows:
h=1 m=31
